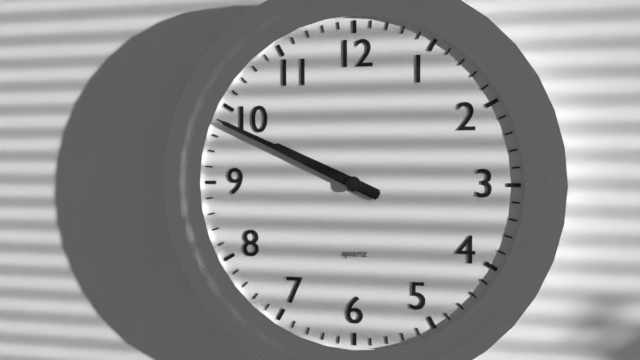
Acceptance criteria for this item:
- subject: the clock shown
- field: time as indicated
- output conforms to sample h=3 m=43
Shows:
h=9 m=49
